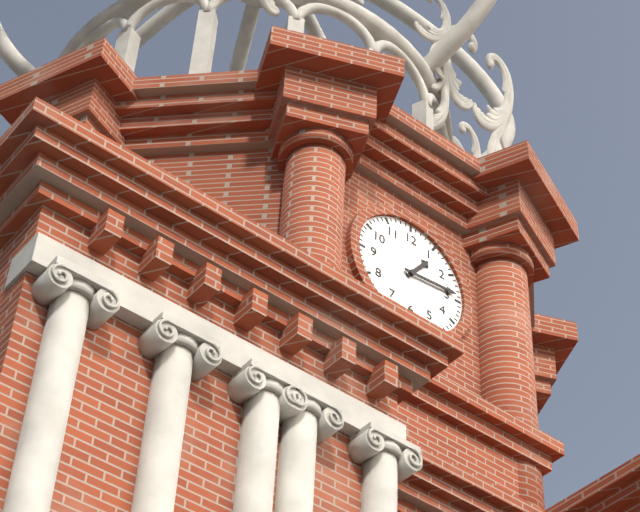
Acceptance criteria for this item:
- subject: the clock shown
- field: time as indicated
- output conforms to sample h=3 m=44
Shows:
h=1 m=14
